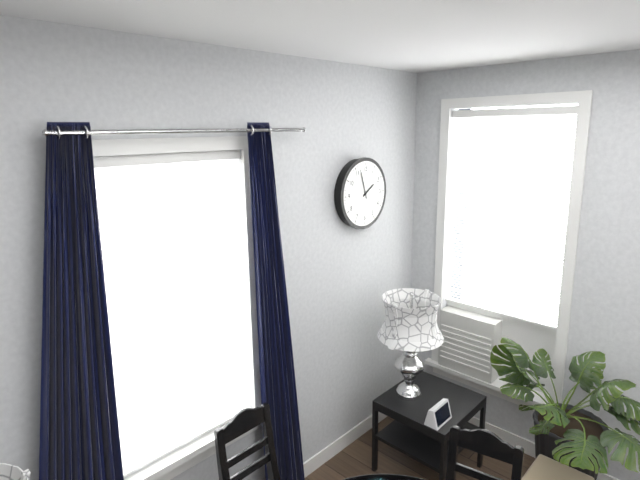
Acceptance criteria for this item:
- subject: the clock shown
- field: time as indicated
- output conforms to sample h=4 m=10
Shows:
h=1 m=57
